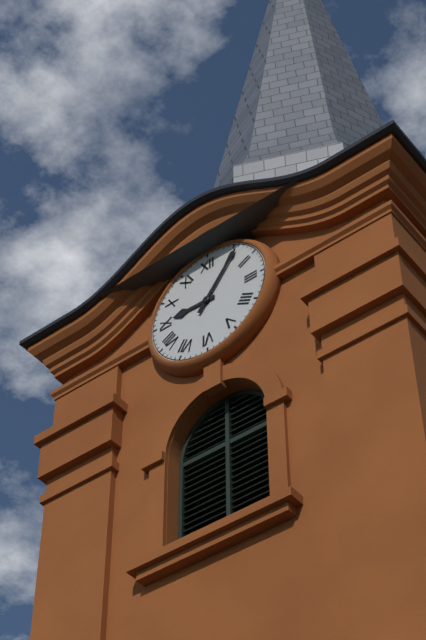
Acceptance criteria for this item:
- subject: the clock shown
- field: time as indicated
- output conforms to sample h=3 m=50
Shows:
h=9 m=6
